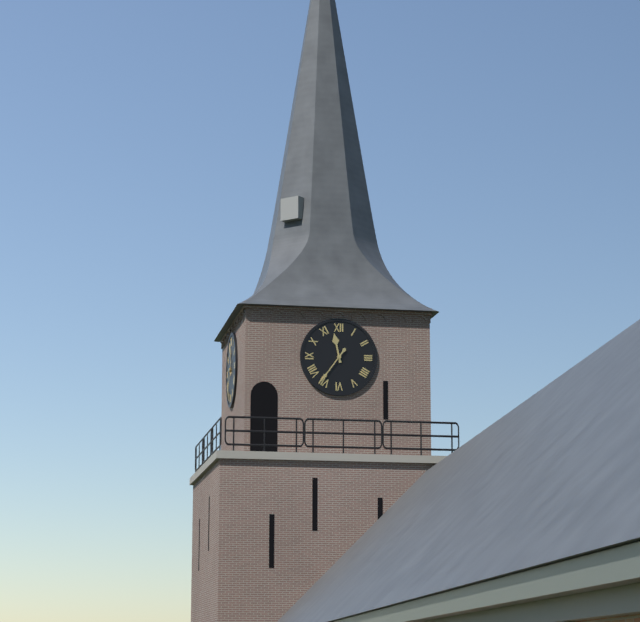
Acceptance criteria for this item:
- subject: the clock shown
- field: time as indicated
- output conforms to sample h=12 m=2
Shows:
h=11 m=36
